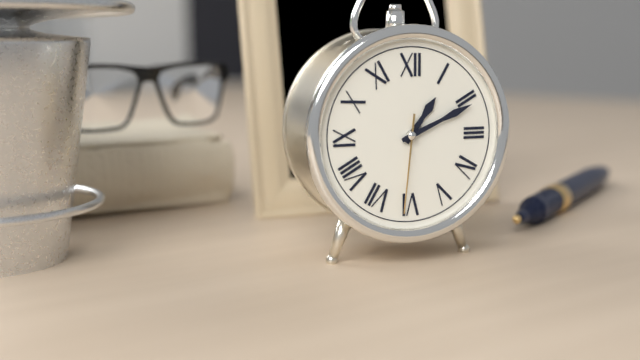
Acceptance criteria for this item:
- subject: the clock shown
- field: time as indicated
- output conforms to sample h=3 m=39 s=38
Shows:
h=1 m=11 s=31
